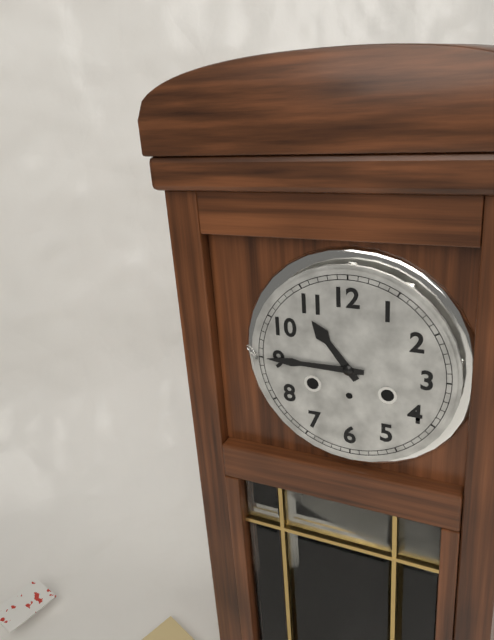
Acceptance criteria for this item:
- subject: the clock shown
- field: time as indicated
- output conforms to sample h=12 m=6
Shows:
h=10 m=45
